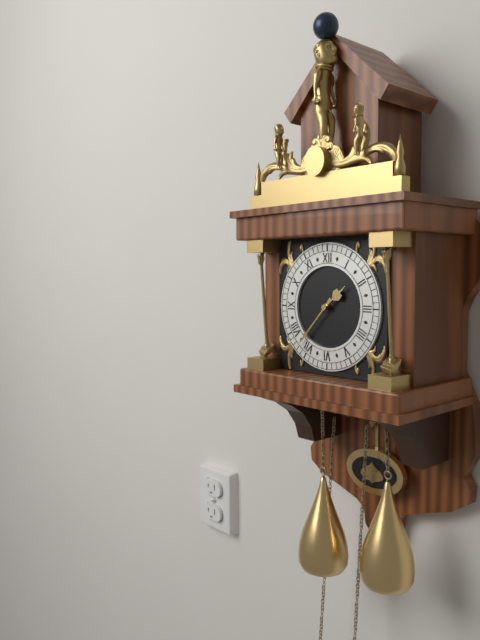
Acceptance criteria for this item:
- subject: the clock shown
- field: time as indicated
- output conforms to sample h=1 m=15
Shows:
h=1 m=37
